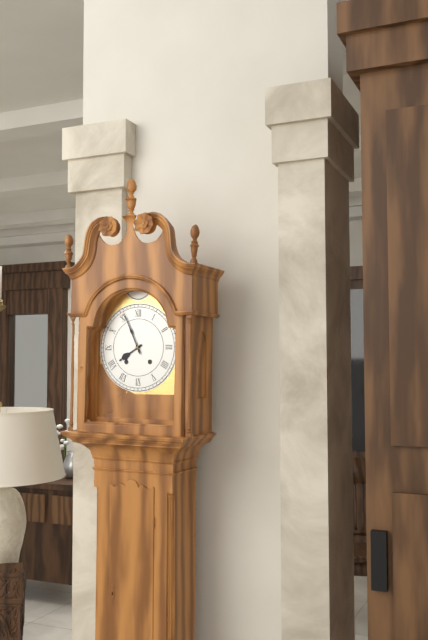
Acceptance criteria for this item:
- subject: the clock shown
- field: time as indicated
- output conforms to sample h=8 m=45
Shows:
h=7 m=56
